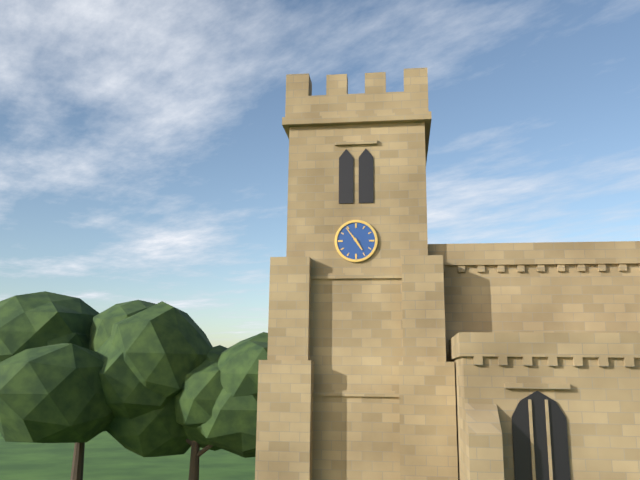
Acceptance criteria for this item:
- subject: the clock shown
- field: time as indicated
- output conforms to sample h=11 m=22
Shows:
h=4 m=54
